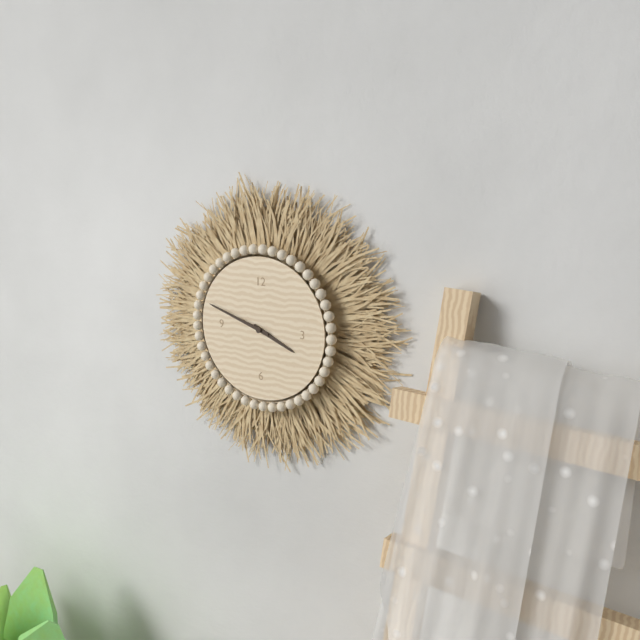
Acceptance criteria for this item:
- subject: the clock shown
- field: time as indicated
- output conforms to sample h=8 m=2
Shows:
h=3 m=48
